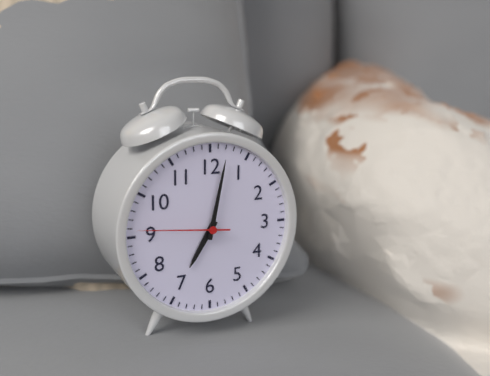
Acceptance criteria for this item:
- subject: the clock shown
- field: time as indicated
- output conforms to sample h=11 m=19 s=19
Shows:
h=7 m=2 s=46
